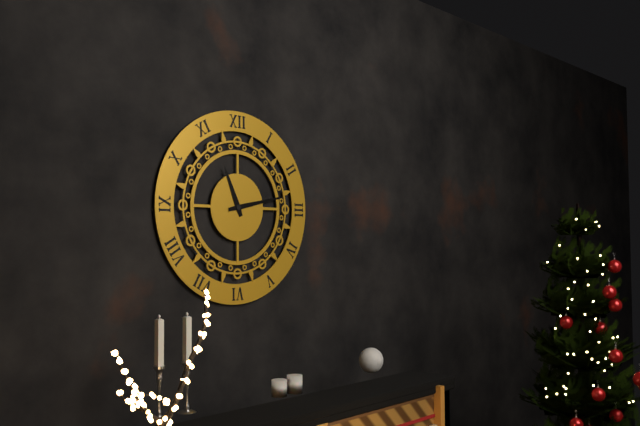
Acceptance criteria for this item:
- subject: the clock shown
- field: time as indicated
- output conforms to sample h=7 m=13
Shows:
h=11 m=13
